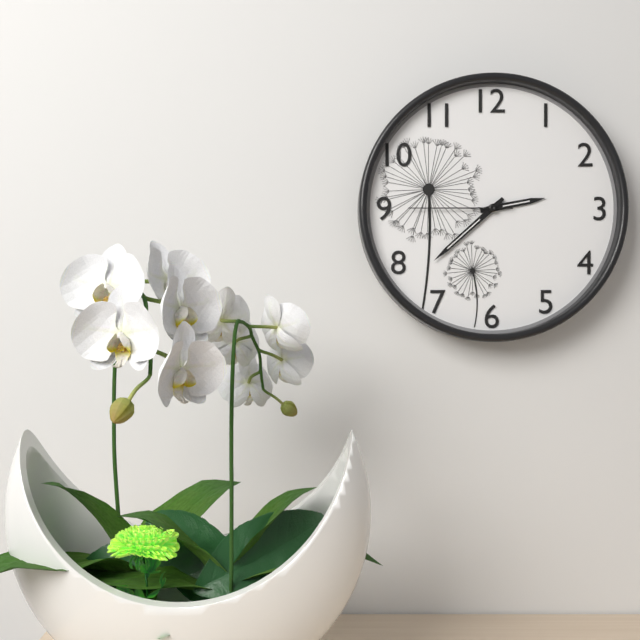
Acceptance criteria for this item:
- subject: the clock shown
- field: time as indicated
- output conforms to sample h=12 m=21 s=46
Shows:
h=2 m=38 s=45
